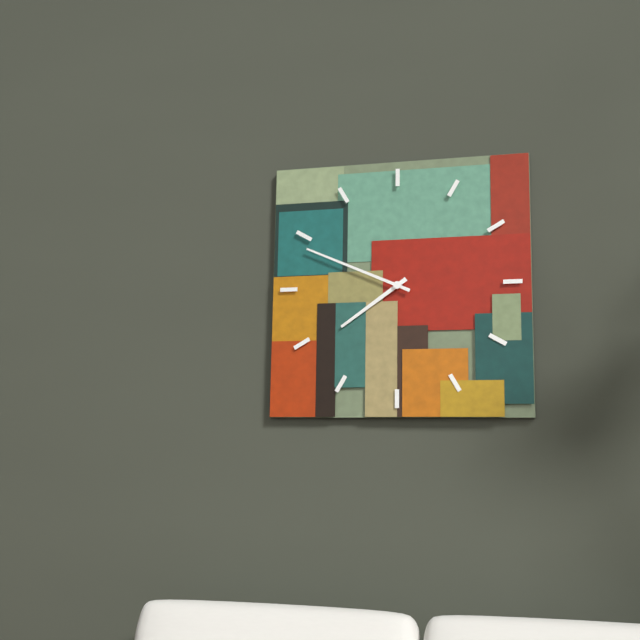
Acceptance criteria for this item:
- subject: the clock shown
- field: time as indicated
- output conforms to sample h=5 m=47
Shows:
h=7 m=49
